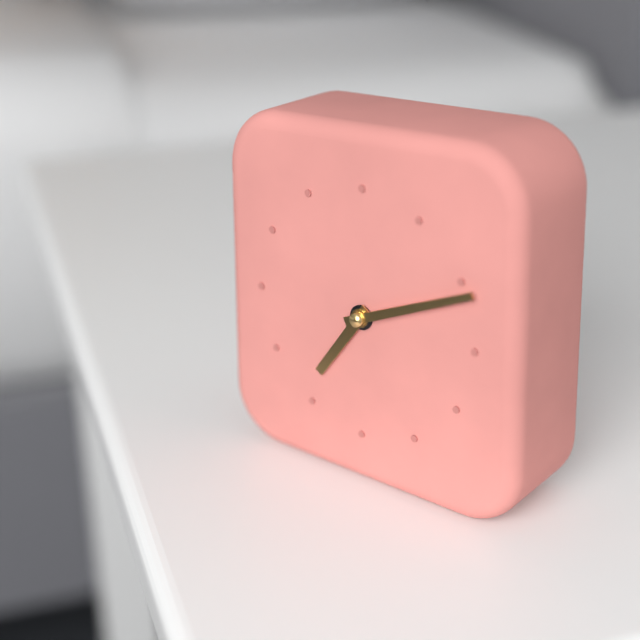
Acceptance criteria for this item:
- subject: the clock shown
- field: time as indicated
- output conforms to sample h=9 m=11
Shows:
h=7 m=11
